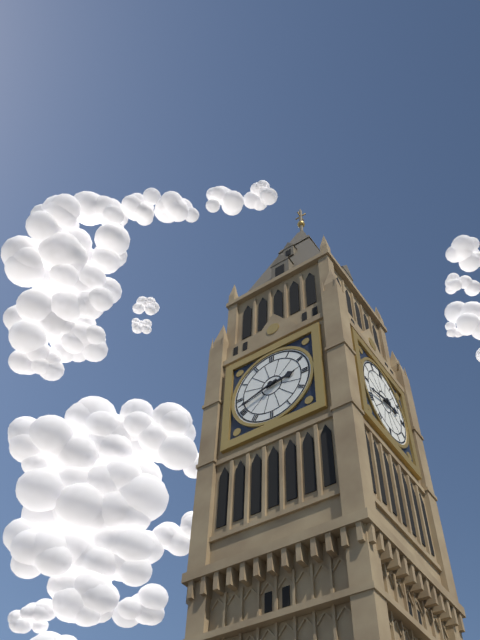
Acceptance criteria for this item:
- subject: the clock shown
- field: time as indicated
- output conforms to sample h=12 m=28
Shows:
h=2 m=42
